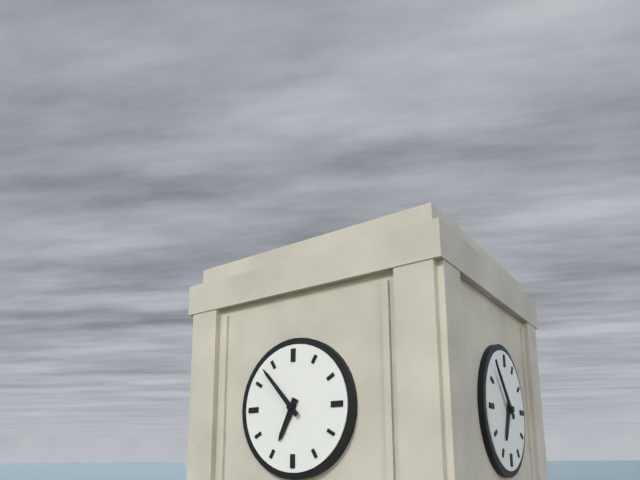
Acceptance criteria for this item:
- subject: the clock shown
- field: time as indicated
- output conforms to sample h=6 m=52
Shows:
h=6 m=53
